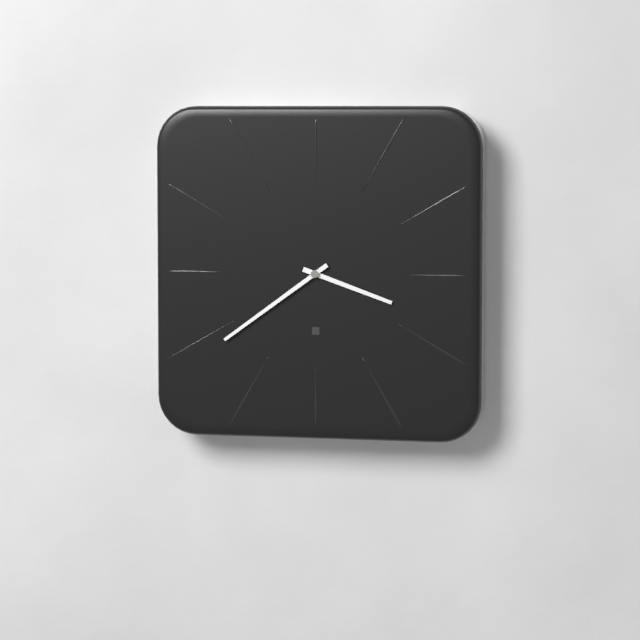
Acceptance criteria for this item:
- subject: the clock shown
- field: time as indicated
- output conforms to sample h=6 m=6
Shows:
h=3 m=39
